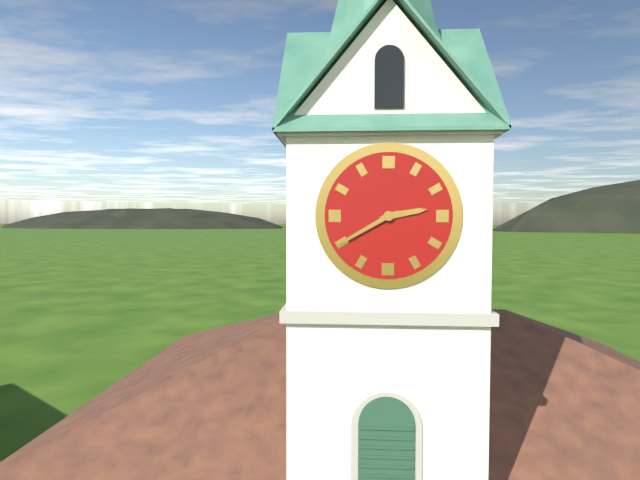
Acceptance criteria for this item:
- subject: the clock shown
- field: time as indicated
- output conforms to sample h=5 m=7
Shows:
h=2 m=40
